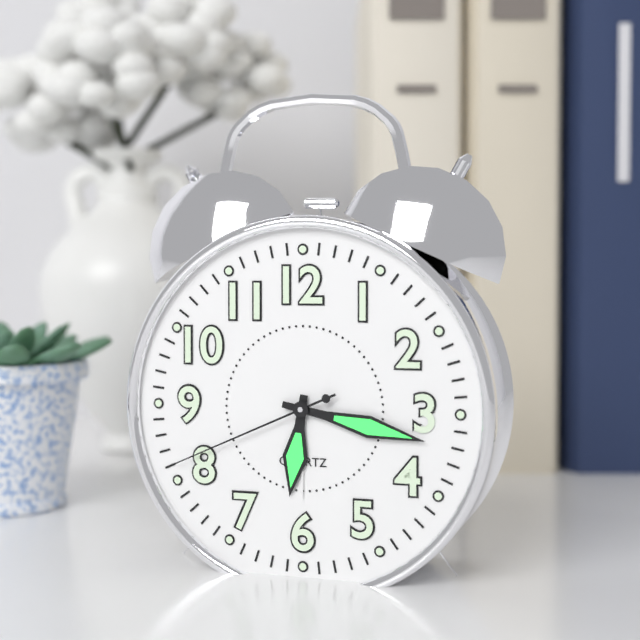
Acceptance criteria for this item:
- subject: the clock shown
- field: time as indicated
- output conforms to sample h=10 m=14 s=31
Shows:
h=6 m=17 s=41
